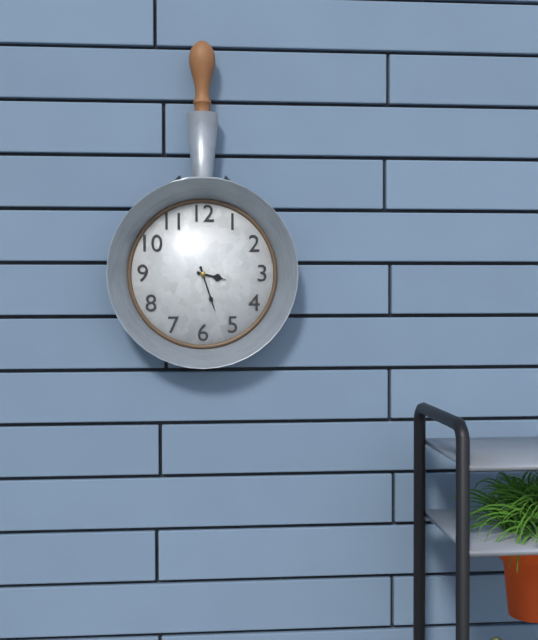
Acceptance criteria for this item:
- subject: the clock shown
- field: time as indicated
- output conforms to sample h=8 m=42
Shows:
h=3 m=27
